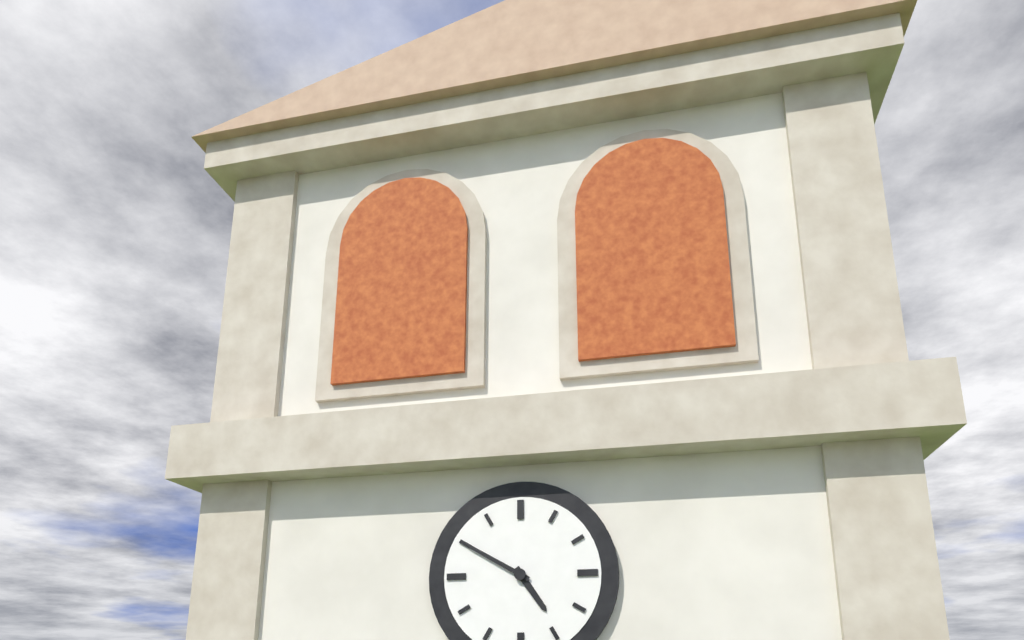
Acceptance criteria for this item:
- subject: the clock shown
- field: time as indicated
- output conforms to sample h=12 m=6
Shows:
h=4 m=50
